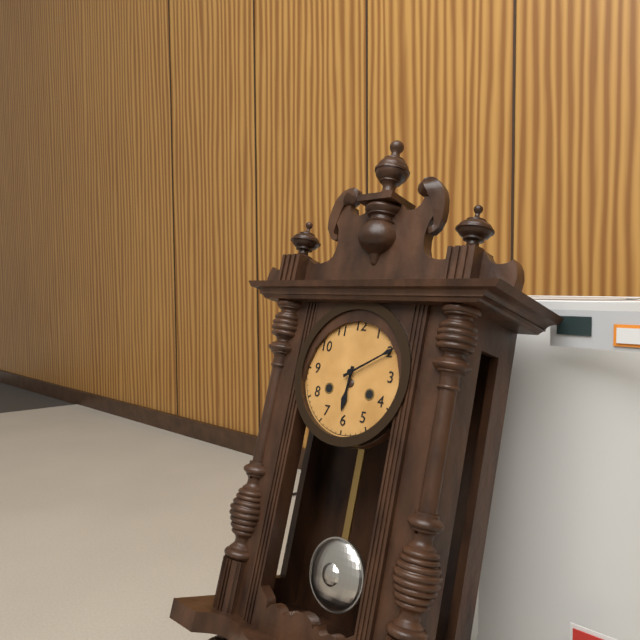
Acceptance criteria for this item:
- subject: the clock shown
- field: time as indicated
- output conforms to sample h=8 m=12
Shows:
h=6 m=10
